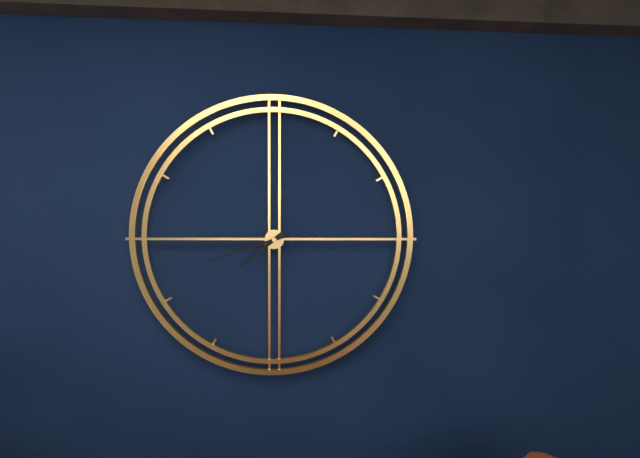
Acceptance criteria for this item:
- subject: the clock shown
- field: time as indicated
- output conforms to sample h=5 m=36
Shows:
h=7 m=42
